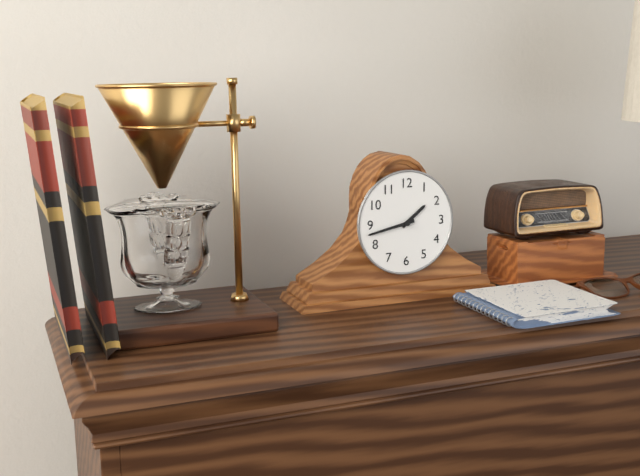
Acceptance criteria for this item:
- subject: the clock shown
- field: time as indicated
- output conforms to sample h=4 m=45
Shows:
h=1 m=43
